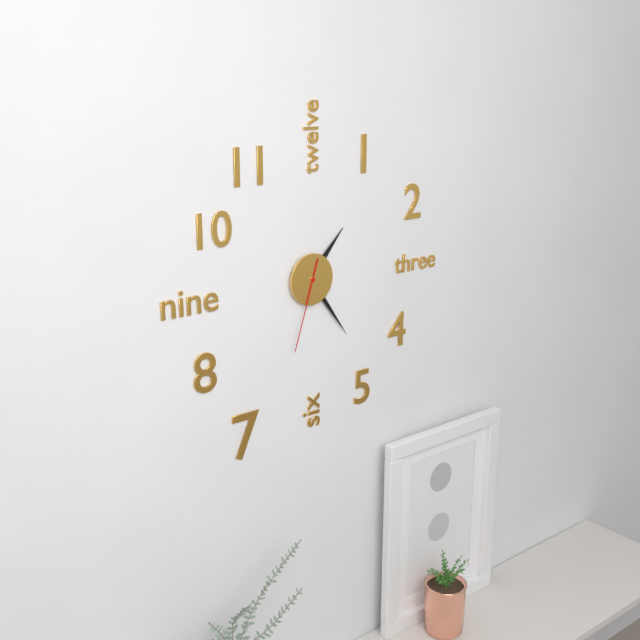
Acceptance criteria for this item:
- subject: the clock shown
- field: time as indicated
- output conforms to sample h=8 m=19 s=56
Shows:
h=1 m=24 s=33
